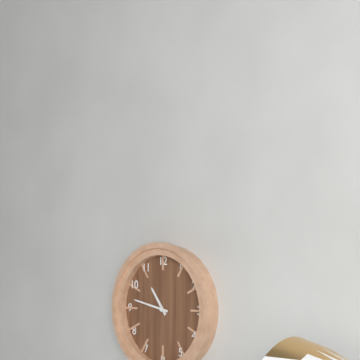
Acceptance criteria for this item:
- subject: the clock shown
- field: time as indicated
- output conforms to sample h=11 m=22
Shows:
h=10 m=47
